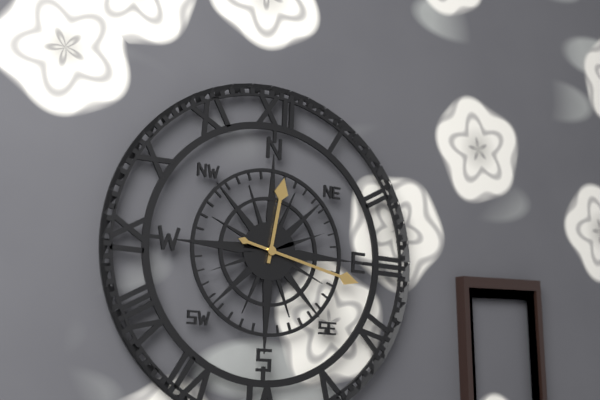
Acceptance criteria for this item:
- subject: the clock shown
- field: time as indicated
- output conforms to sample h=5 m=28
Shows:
h=12 m=17
